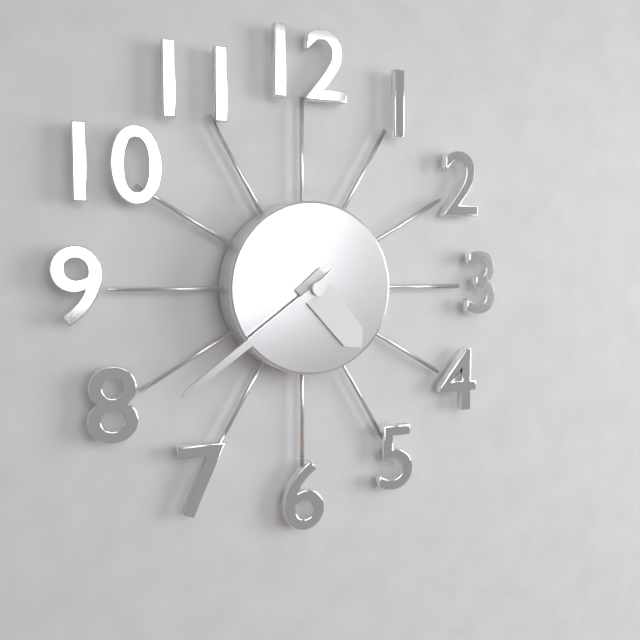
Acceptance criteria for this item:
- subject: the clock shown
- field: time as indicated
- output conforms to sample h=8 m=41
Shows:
h=4 m=39
